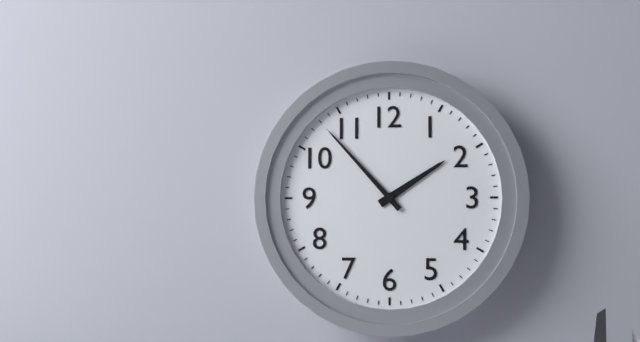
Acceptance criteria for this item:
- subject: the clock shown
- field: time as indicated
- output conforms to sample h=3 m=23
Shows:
h=1 m=53
